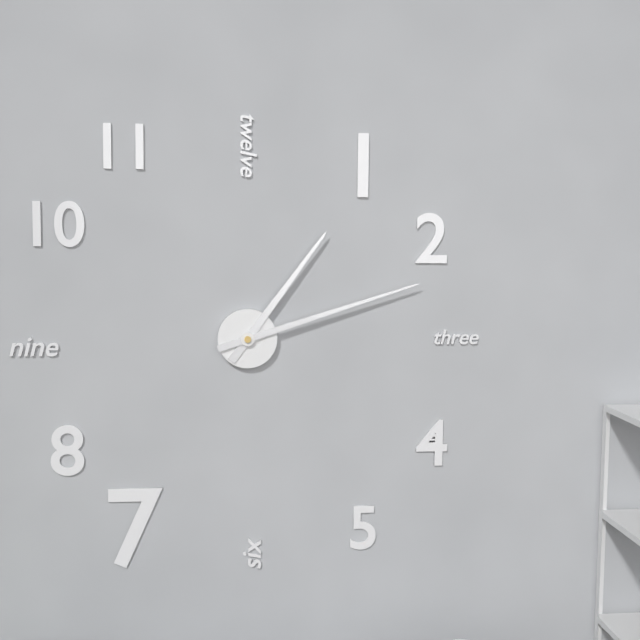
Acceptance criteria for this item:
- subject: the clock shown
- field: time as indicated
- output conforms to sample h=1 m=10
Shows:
h=1 m=12
